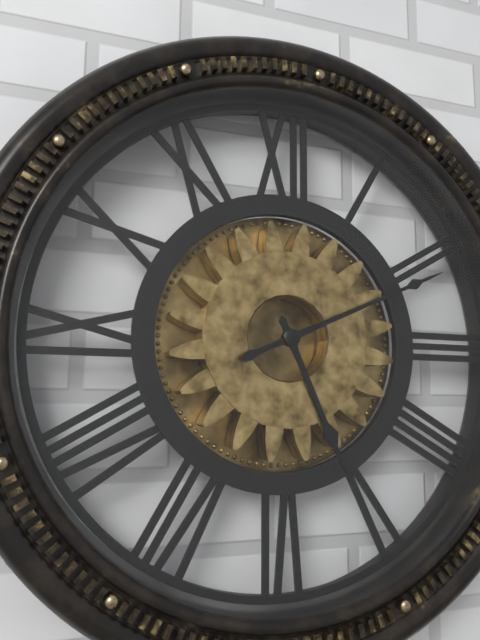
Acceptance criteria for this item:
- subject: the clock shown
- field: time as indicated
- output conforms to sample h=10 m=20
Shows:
h=5 m=11
